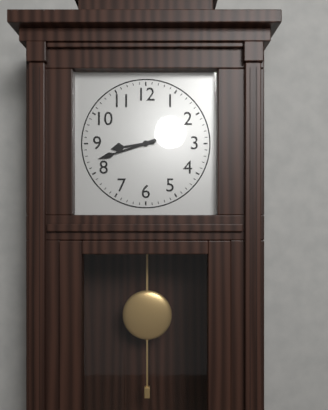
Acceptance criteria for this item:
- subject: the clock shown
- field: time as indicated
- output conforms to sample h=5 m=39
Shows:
h=8 m=42
